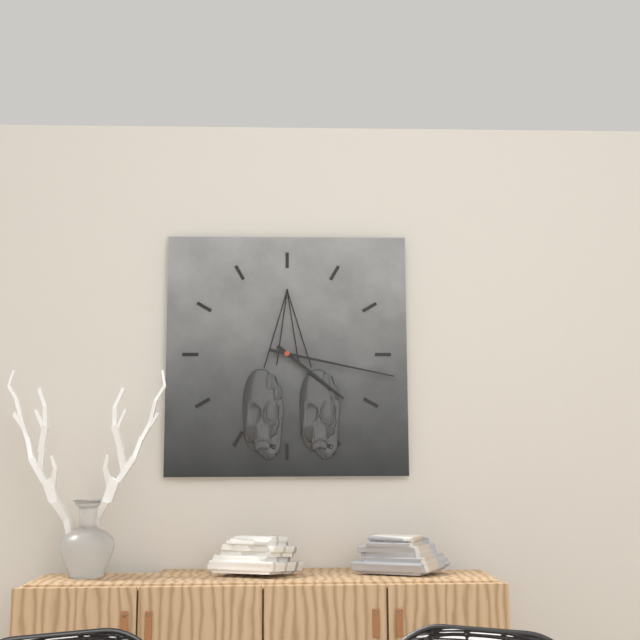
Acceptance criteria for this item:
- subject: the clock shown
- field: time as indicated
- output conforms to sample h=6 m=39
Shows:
h=4 m=17
